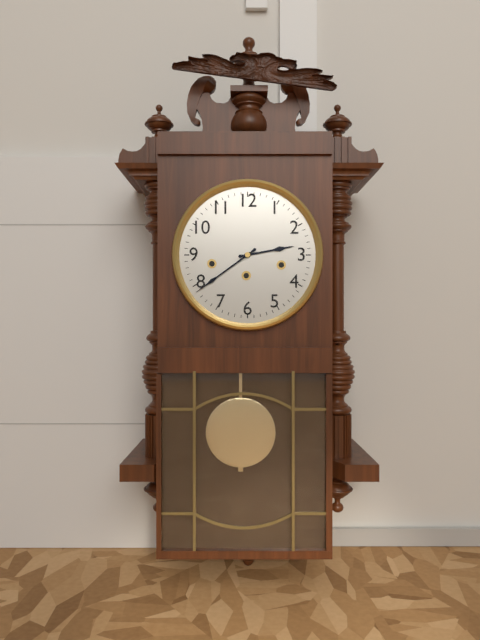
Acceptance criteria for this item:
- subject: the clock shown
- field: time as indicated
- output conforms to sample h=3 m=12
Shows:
h=2 m=39
